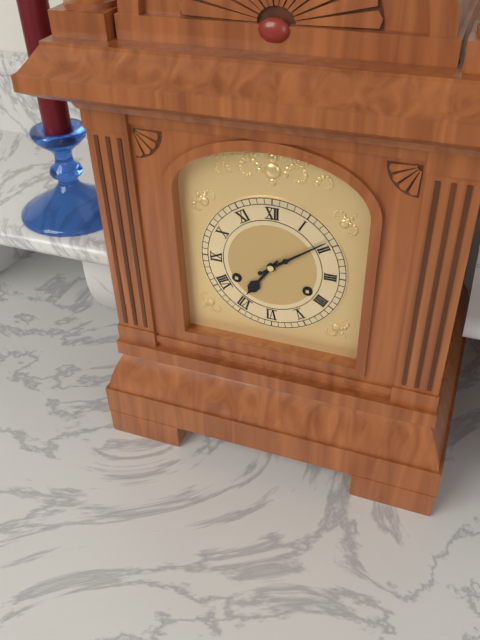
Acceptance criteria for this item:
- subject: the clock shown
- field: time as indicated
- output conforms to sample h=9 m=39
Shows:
h=7 m=9
